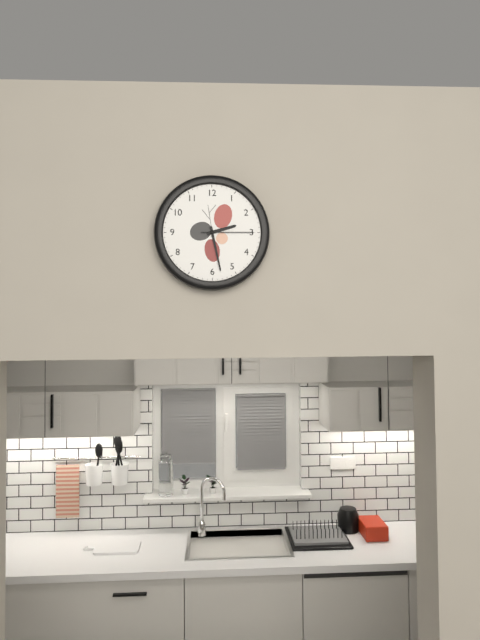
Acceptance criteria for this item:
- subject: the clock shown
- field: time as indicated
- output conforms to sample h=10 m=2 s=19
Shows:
h=2 m=28 s=15
